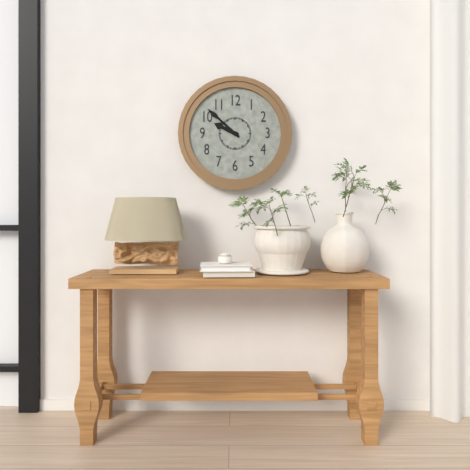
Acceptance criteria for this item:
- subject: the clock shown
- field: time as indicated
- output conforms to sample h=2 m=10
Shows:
h=9 m=52
